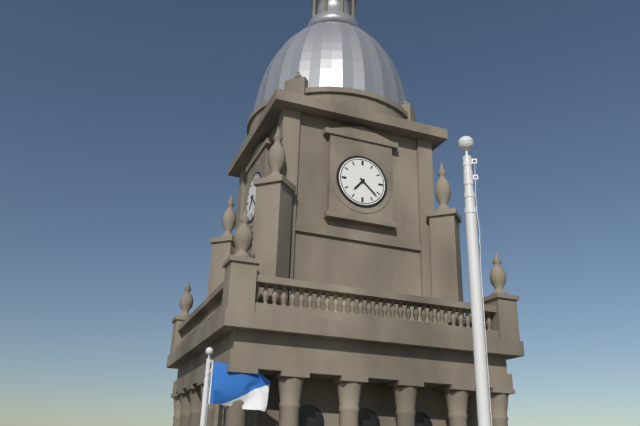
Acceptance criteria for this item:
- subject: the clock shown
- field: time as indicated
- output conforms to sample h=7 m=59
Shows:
h=7 m=22
